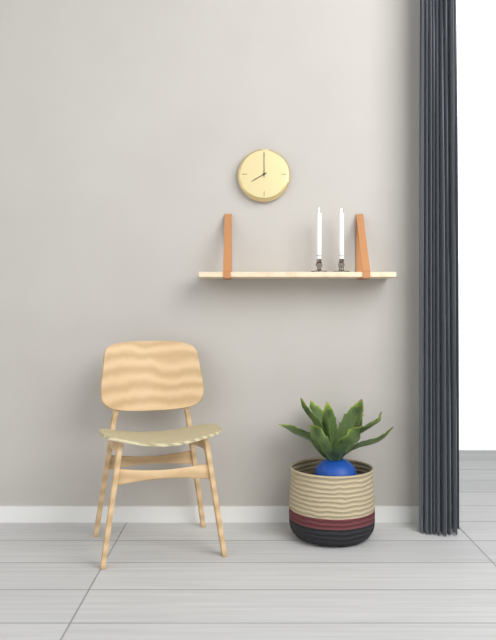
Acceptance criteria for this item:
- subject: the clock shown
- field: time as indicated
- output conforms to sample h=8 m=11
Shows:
h=8 m=0
